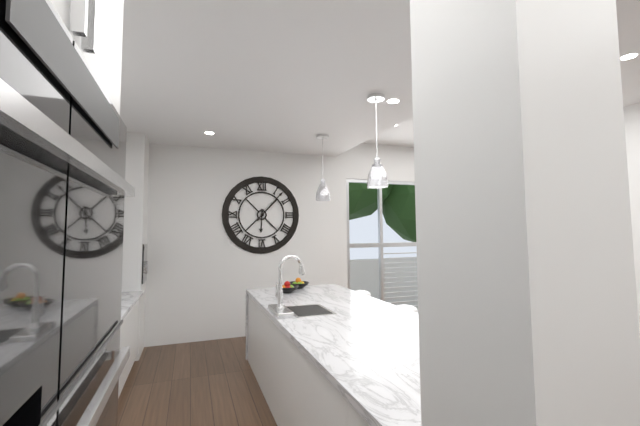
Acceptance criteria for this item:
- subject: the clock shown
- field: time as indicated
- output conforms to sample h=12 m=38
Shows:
h=6 m=7
